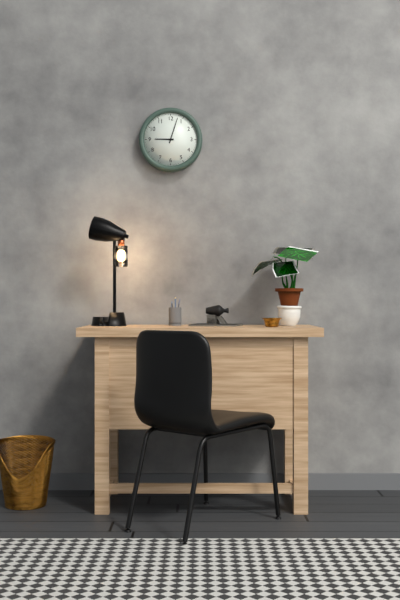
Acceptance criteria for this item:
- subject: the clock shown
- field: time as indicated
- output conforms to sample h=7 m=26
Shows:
h=9 m=3
